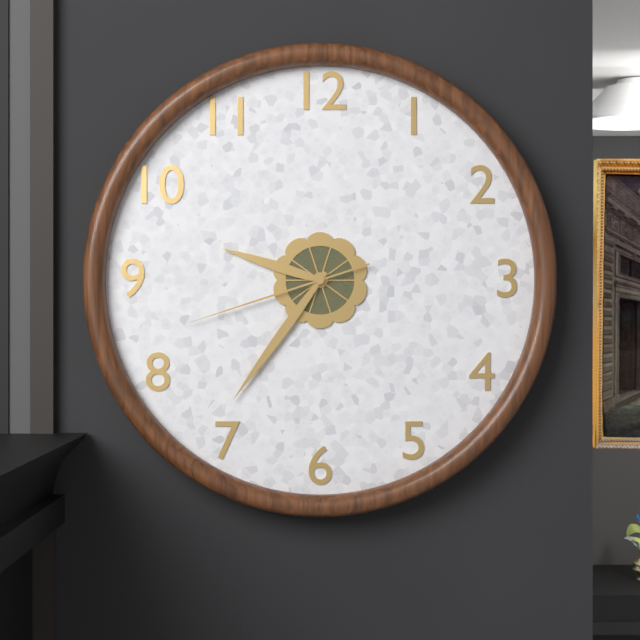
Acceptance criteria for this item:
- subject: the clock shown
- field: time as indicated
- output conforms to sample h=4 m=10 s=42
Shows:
h=9 m=36 s=42
